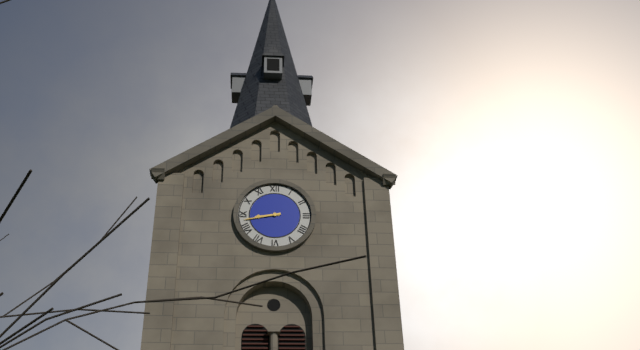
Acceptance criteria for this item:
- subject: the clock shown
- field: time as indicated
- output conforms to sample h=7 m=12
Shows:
h=8 m=43
